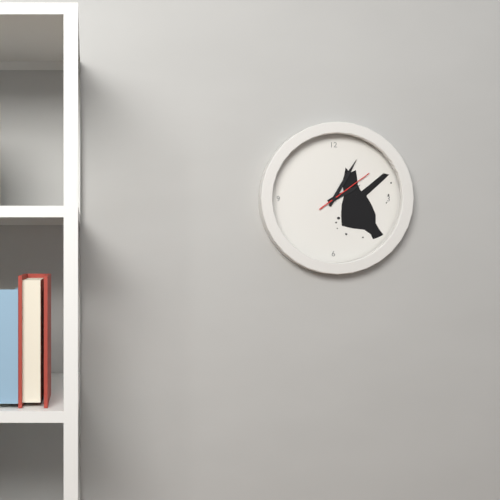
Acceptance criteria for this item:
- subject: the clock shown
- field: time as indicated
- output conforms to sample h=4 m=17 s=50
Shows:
h=2 m=5 s=9
